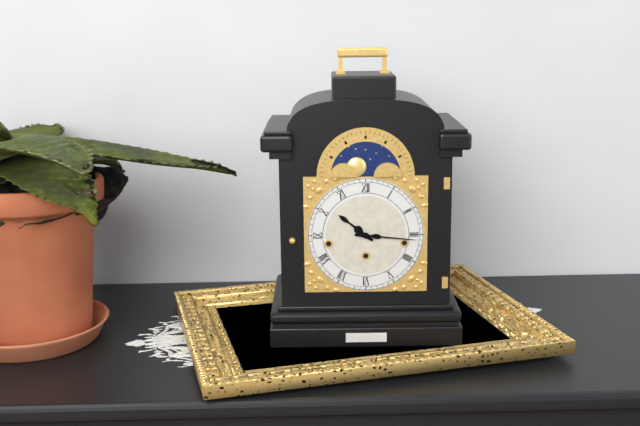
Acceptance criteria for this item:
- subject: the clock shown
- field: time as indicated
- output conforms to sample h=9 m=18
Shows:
h=10 m=16
